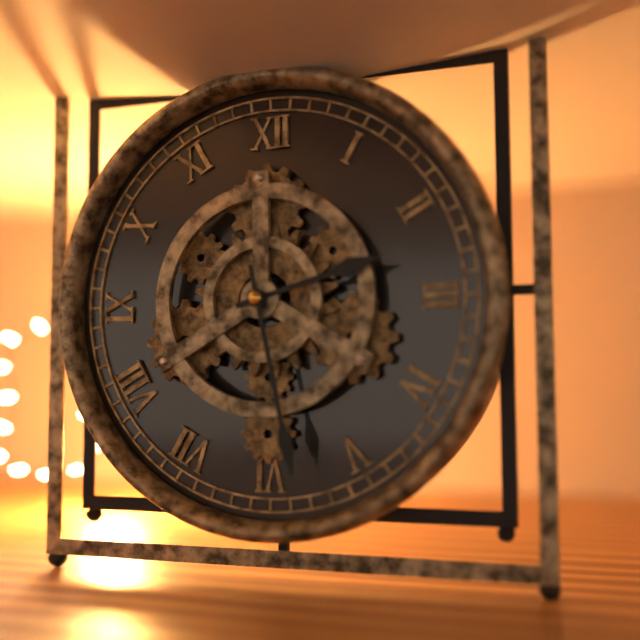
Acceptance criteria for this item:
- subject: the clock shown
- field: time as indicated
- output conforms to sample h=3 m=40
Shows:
h=2 m=28
